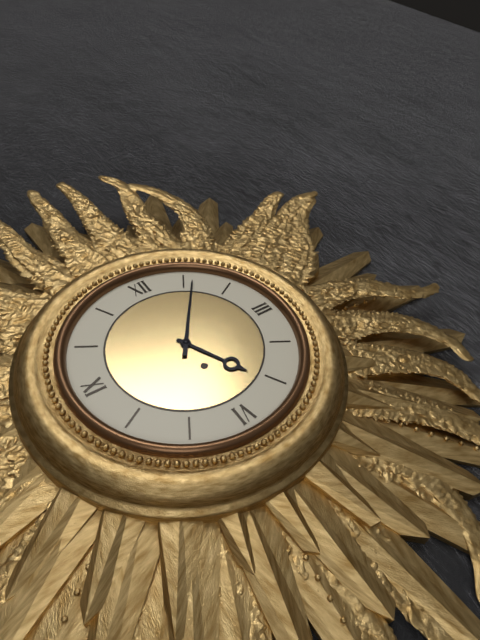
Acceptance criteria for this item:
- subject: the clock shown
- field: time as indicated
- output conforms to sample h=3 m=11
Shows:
h=5 m=6
